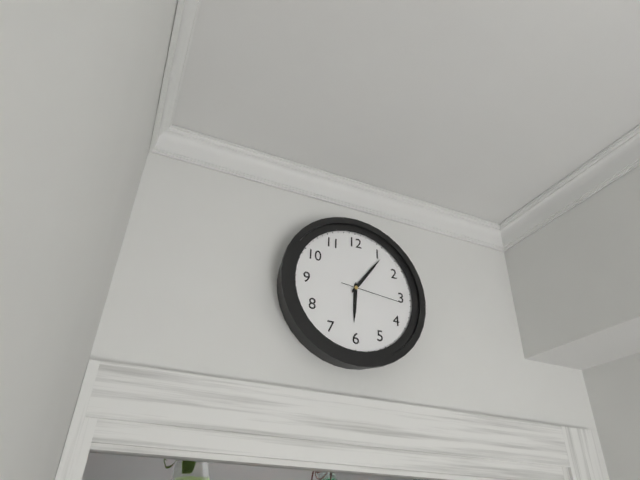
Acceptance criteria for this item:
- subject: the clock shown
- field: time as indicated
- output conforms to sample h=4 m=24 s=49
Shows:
h=6 m=6 s=16
